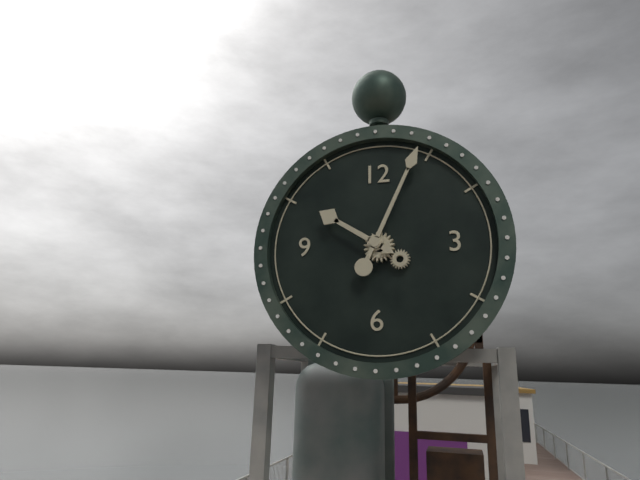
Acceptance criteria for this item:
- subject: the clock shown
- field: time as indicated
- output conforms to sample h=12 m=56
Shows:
h=10 m=4
